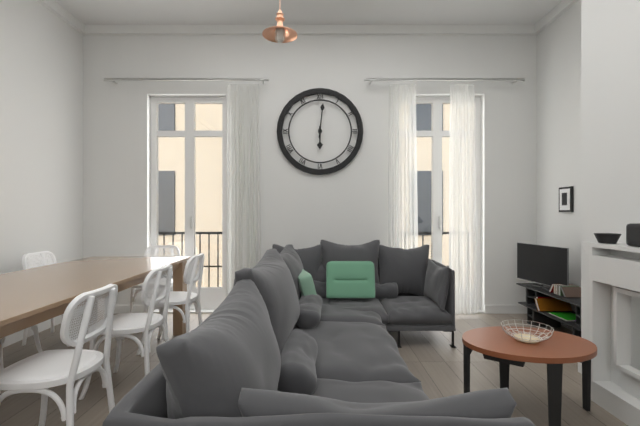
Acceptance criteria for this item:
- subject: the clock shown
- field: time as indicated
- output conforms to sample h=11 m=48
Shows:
h=6 m=1
